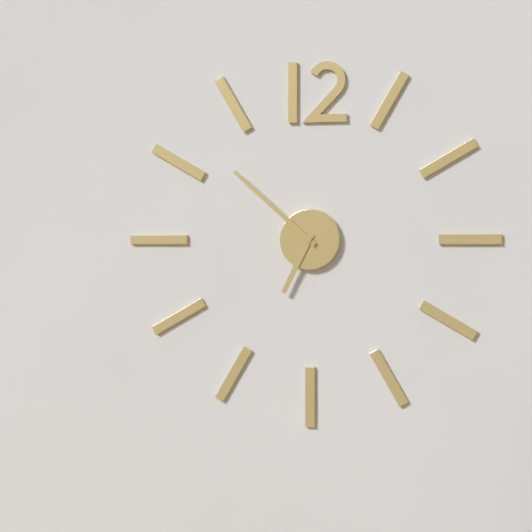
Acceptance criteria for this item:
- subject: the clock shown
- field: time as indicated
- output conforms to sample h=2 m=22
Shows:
h=6 m=52
